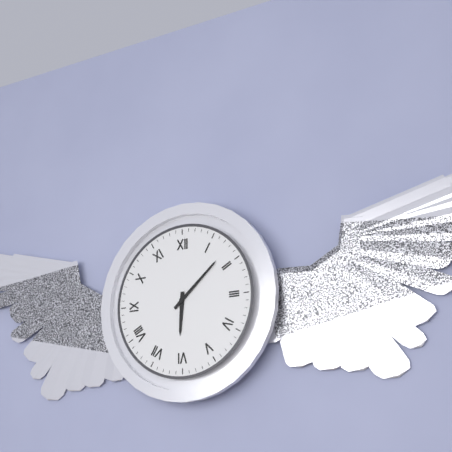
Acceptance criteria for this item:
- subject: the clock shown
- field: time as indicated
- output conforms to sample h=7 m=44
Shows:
h=6 m=8
